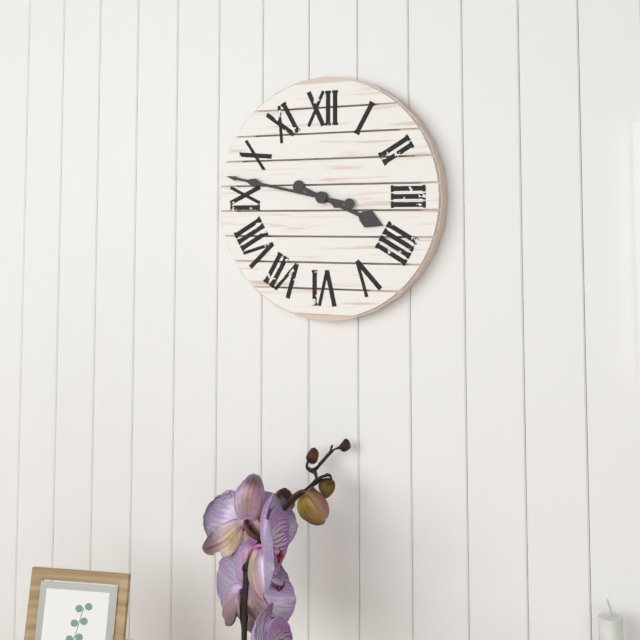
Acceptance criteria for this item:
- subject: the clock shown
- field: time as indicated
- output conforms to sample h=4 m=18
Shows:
h=3 m=47
